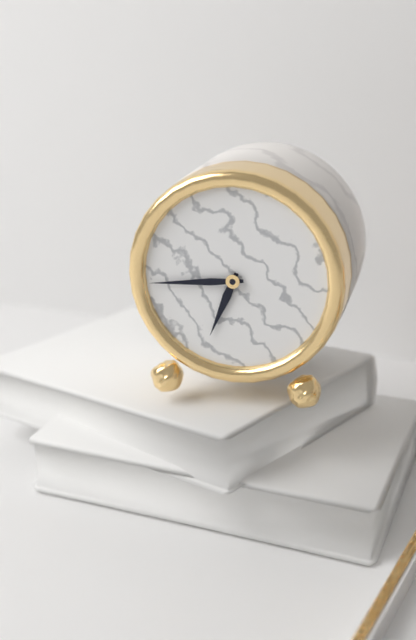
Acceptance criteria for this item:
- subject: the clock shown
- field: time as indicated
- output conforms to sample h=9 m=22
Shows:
h=6 m=44
